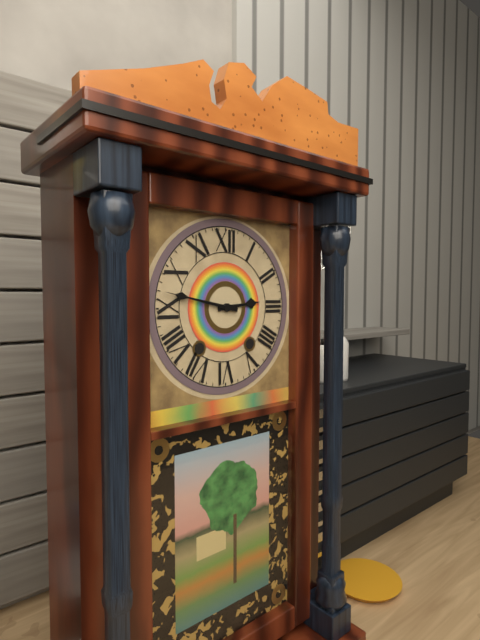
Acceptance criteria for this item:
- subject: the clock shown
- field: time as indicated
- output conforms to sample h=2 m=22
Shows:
h=2 m=47
